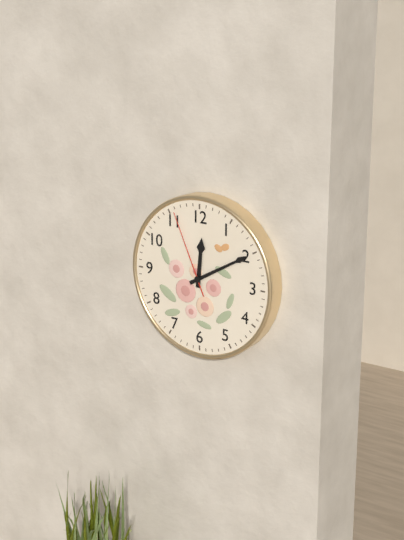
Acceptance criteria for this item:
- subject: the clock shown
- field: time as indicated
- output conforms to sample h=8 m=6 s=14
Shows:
h=12 m=10 s=56
